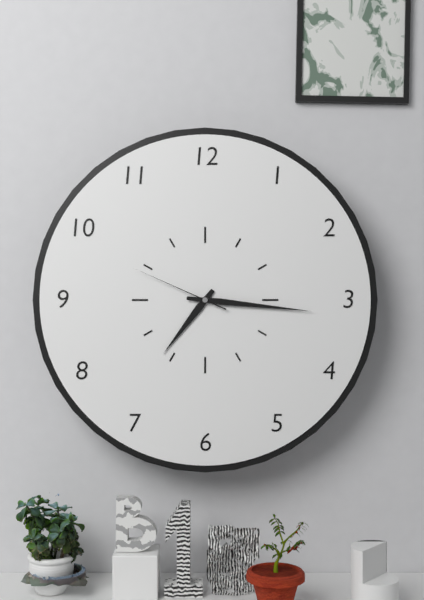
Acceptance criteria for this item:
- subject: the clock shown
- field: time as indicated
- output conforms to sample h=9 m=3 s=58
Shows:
h=7 m=16 s=49
